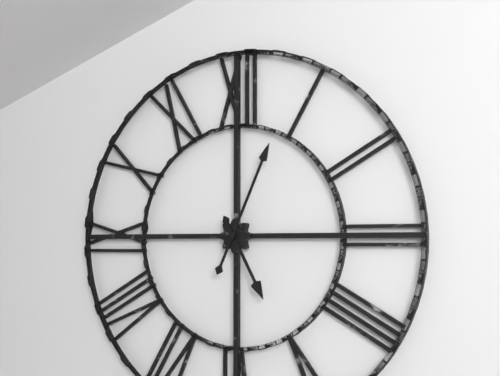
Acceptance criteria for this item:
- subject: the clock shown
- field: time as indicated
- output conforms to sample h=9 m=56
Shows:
h=5 m=4
